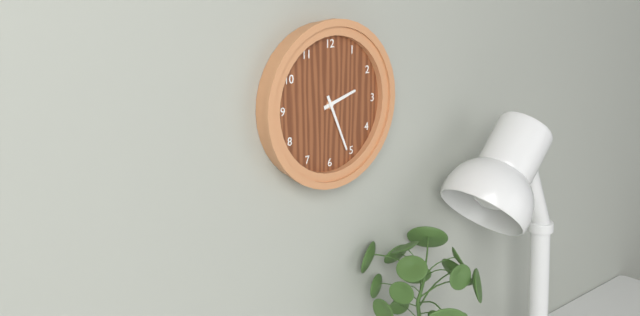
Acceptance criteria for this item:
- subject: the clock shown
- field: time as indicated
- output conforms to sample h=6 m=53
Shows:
h=2 m=26
